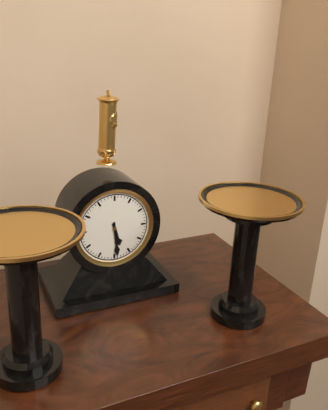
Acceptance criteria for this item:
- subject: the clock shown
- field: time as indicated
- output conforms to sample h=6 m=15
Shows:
h=5 m=29
